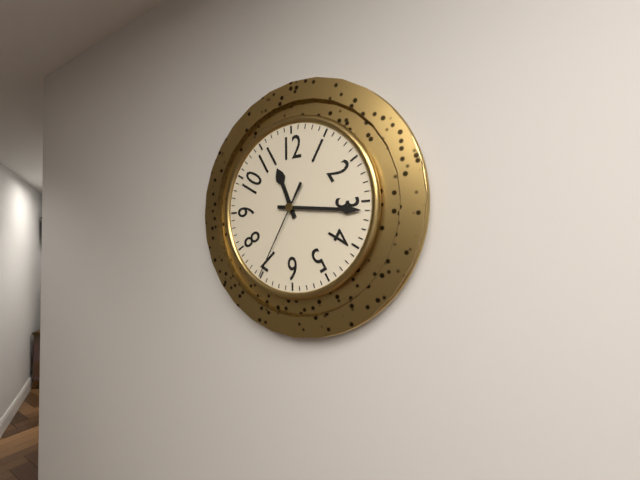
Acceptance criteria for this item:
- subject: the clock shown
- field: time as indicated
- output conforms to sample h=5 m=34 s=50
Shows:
h=11 m=16 s=35
